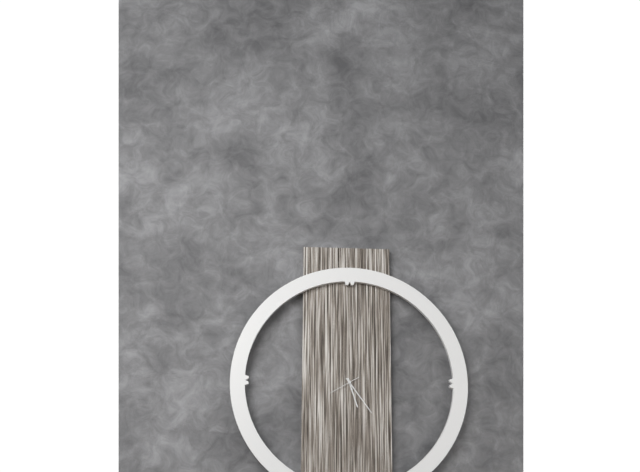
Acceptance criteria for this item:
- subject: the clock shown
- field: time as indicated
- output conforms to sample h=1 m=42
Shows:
h=5 m=24
